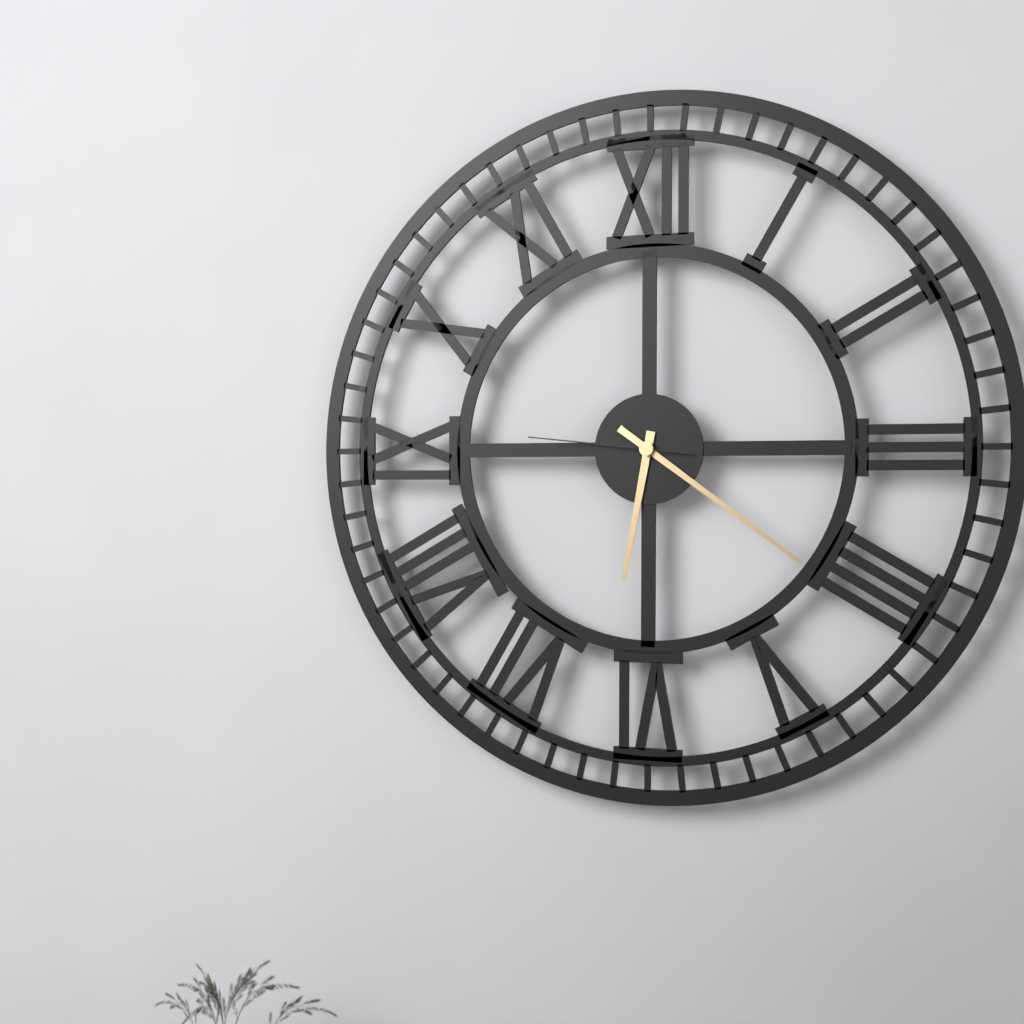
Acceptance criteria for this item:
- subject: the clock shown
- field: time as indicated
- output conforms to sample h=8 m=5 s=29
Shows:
h=6 m=21 s=46
